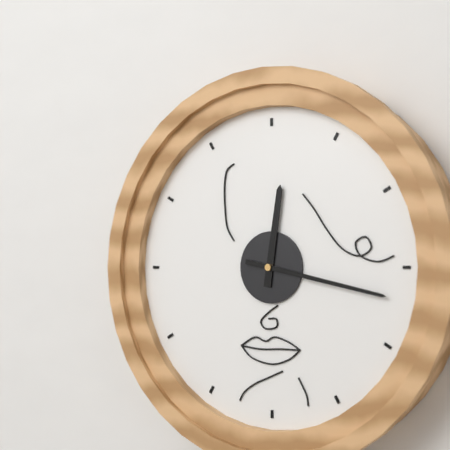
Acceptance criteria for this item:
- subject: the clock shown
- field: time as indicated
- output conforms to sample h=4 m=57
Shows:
h=12 m=17
